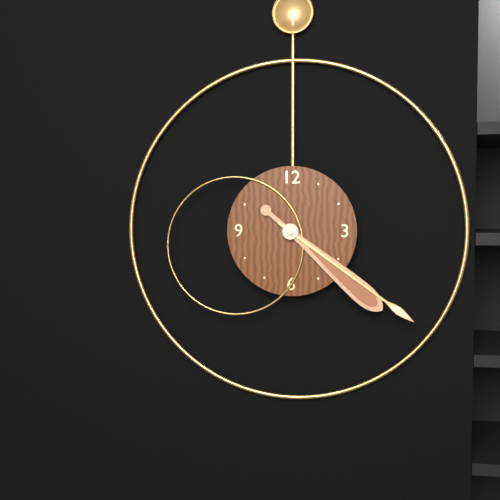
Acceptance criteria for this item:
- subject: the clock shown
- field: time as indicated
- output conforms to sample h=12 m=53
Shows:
h=4 m=21
